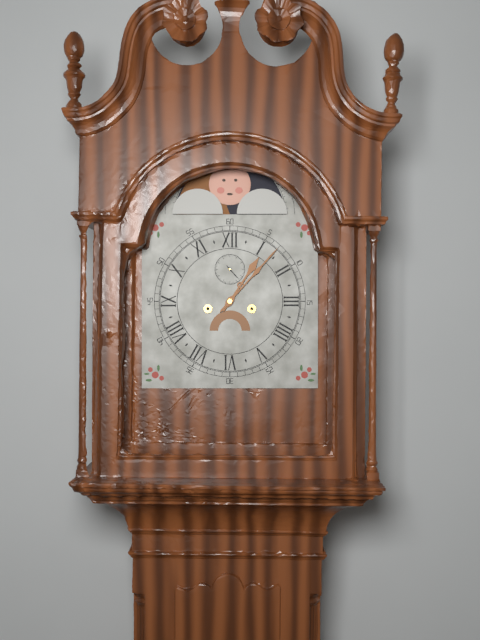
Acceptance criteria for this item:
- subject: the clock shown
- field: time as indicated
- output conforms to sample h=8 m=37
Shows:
h=1 m=7
